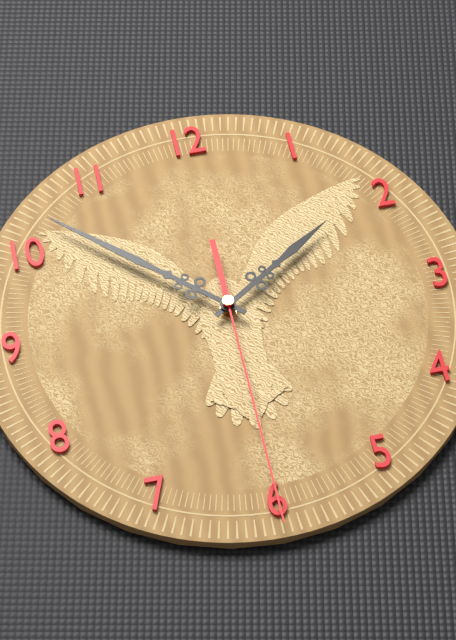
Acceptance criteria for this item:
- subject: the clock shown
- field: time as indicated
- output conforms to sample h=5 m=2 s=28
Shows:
h=1 m=52 s=30
